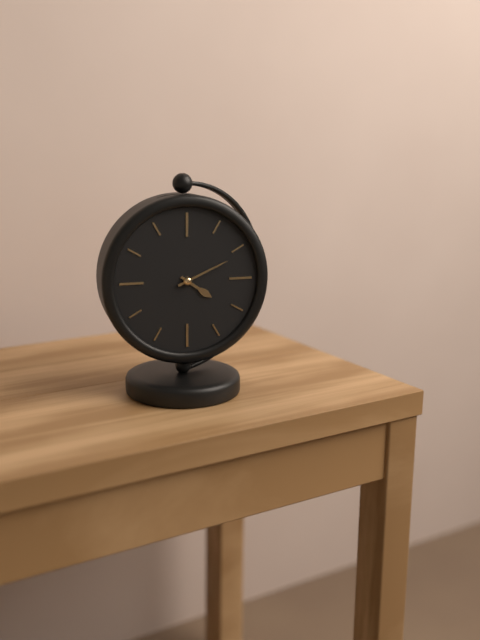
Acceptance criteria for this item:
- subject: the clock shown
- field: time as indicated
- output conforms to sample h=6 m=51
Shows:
h=4 m=11
